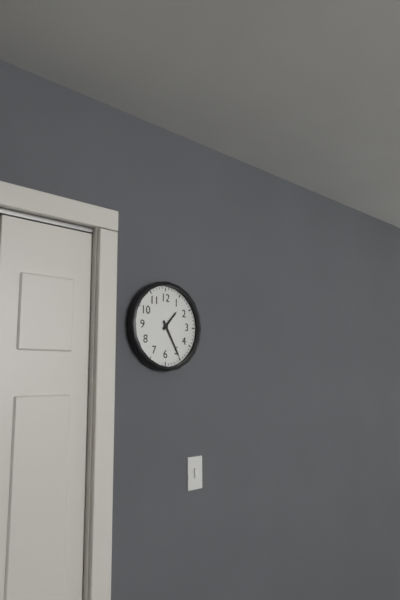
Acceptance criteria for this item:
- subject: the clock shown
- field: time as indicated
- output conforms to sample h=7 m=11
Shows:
h=1 m=25
